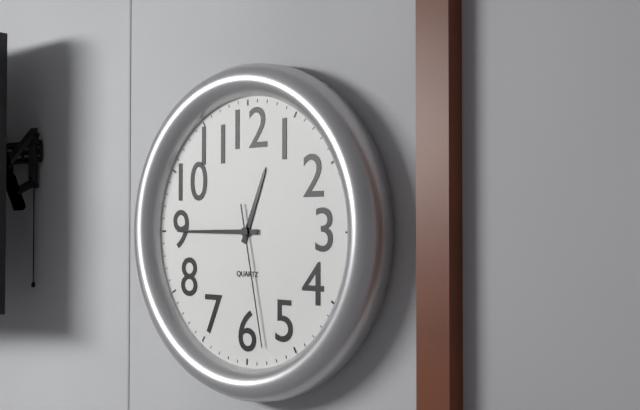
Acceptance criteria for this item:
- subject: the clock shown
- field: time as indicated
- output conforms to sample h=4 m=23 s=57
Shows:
h=12 m=45 s=28
